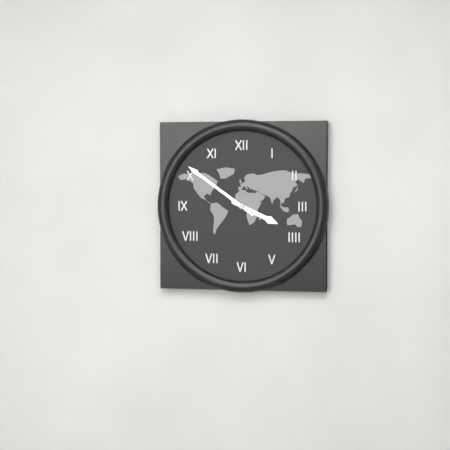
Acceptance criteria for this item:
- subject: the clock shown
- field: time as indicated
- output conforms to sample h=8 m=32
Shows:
h=3 m=51
